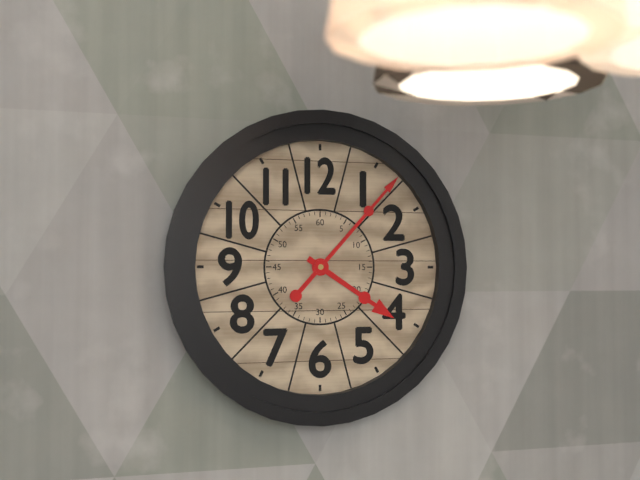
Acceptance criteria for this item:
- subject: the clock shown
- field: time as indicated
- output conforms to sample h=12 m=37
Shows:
h=4 m=7
